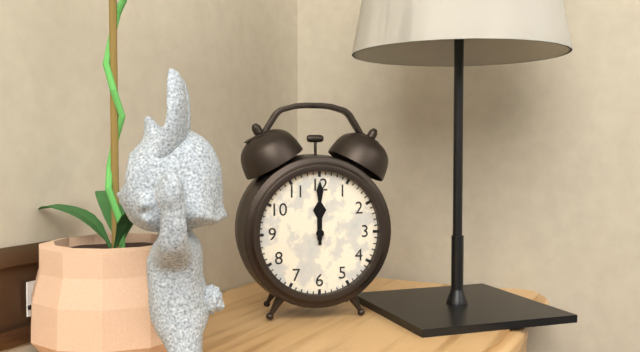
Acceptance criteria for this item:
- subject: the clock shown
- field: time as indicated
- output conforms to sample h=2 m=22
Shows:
h=12 m=0
